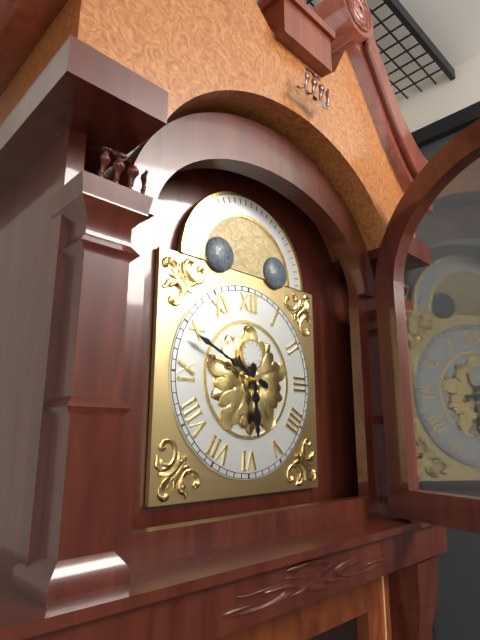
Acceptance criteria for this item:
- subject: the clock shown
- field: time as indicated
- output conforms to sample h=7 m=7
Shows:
h=5 m=49
